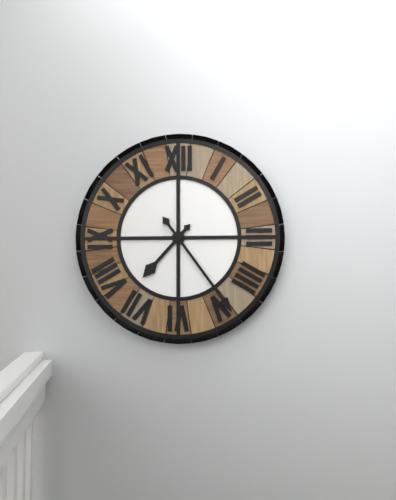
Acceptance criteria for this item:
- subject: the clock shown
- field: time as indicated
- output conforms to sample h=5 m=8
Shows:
h=7 m=24
